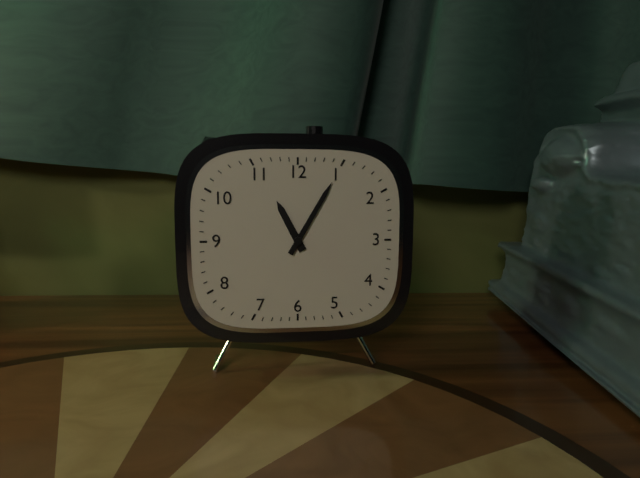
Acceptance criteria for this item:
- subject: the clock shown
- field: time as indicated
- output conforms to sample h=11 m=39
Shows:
h=11 m=5
